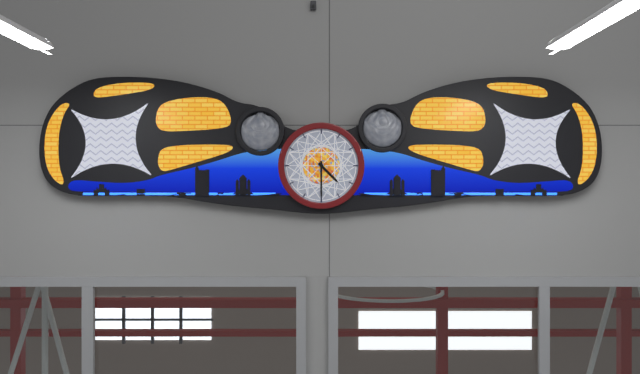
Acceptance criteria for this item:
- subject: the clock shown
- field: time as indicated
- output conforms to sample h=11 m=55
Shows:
h=4 m=30
